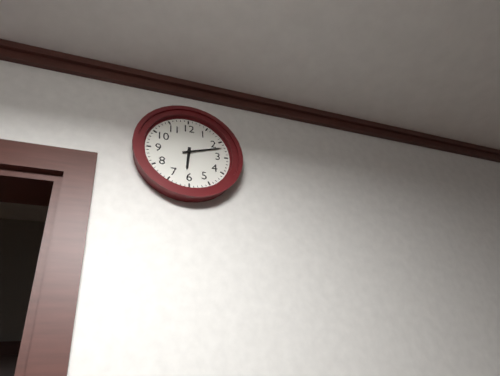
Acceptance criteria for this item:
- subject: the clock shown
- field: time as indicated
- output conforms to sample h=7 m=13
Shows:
h=6 m=12
